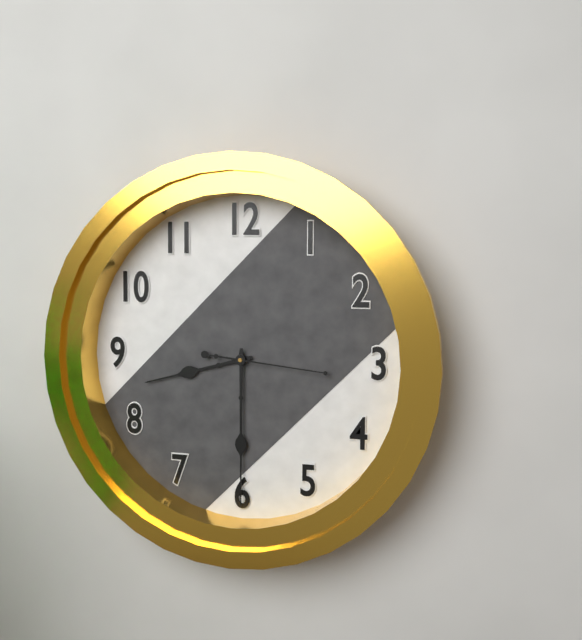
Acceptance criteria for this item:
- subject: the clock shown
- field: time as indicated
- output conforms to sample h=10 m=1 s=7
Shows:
h=8 m=30 s=16
